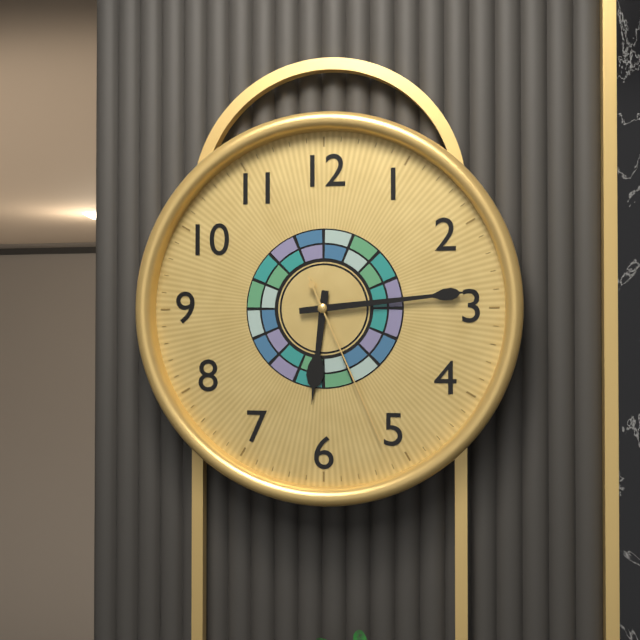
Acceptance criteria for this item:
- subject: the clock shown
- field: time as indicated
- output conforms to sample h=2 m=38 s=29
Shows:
h=6 m=14 s=26
